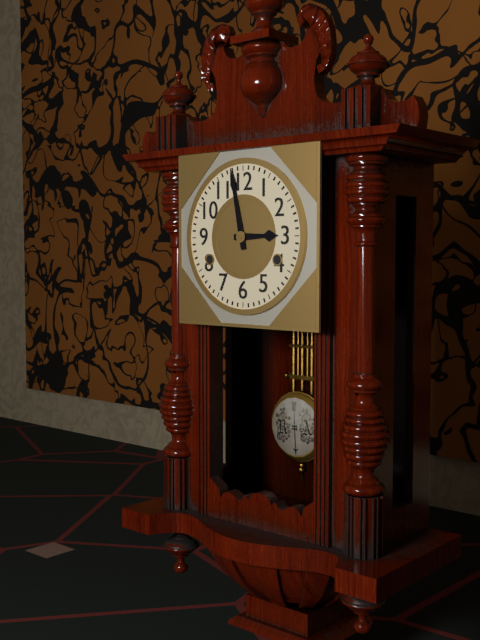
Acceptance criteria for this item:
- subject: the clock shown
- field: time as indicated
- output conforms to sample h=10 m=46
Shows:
h=2 m=58
